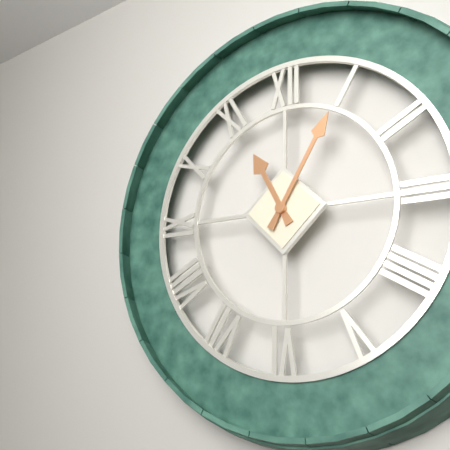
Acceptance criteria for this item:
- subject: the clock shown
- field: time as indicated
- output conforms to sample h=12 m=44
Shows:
h=11 m=5
